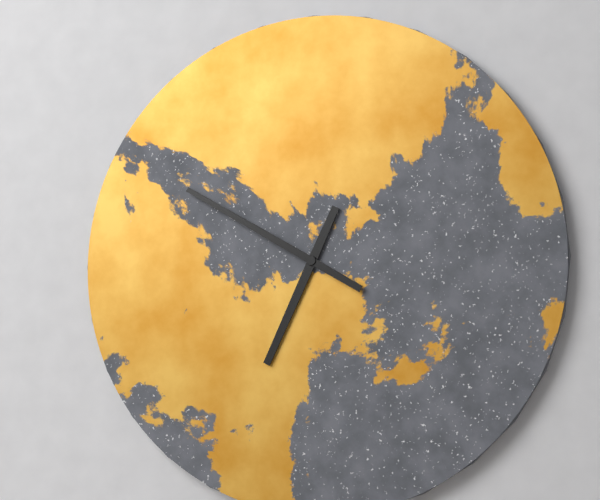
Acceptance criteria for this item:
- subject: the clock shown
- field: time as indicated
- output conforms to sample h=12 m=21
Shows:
h=6 m=50
